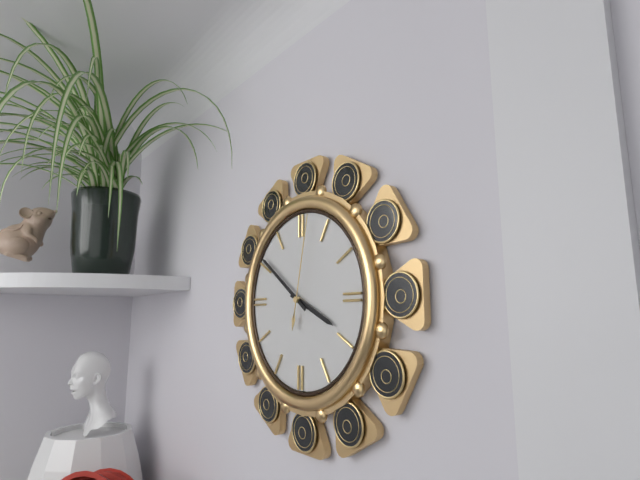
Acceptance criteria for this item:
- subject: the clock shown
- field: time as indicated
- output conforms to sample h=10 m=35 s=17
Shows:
h=3 m=51 s=2
